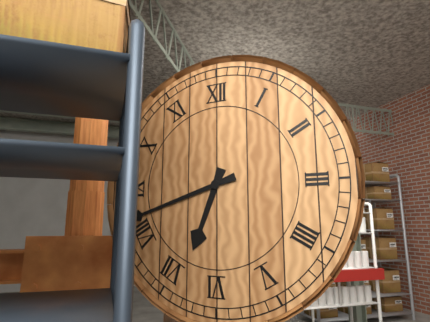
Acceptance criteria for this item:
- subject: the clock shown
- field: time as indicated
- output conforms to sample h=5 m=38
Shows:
h=6 m=42
